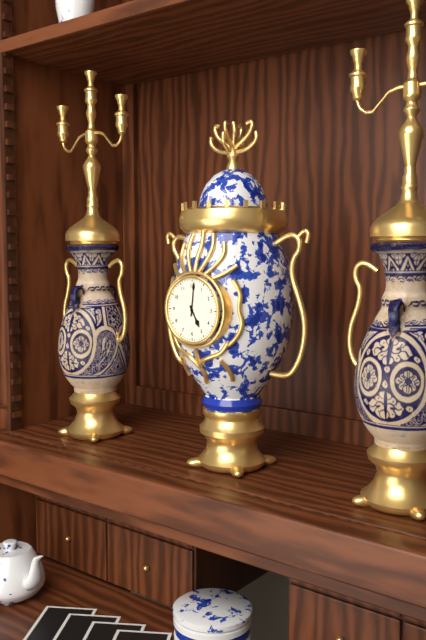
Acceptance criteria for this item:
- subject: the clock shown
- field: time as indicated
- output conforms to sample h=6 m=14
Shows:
h=5 m=1
